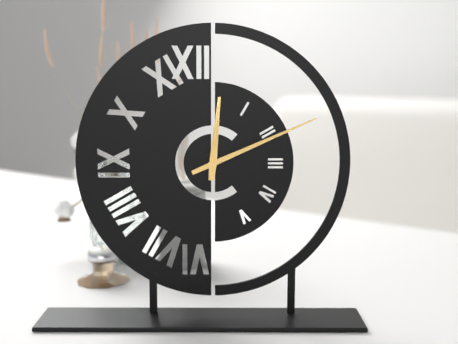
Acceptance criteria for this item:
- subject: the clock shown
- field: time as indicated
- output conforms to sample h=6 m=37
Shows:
h=12 m=11
